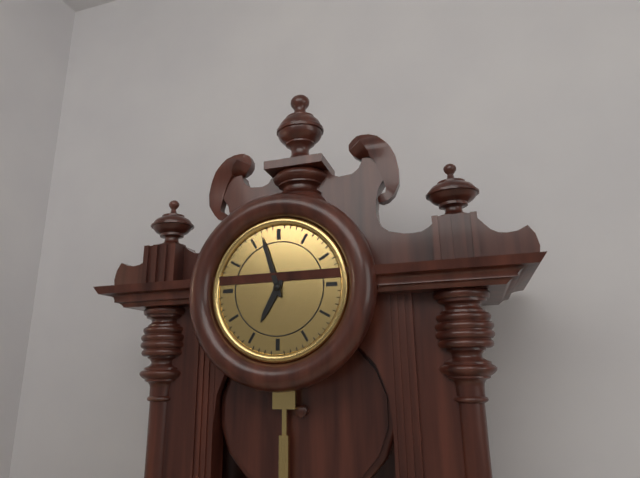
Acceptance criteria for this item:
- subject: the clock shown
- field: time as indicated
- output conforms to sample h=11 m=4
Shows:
h=6 m=57
